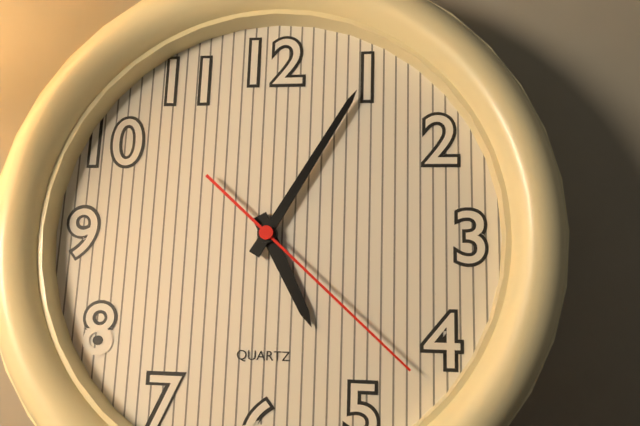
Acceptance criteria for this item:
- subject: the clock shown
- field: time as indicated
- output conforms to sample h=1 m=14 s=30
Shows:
h=5 m=5 s=22
